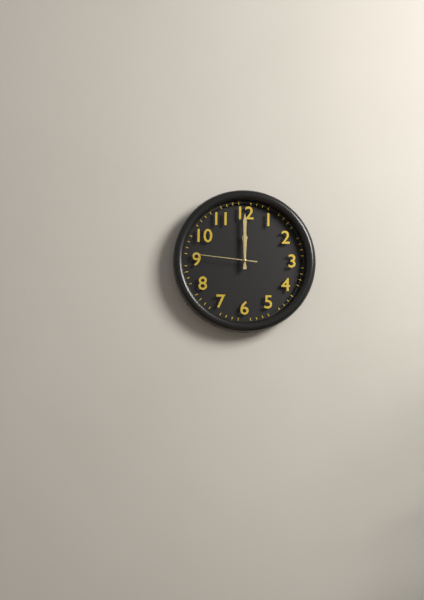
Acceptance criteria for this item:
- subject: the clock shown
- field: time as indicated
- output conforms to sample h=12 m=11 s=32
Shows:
h=12 m=0 s=46
